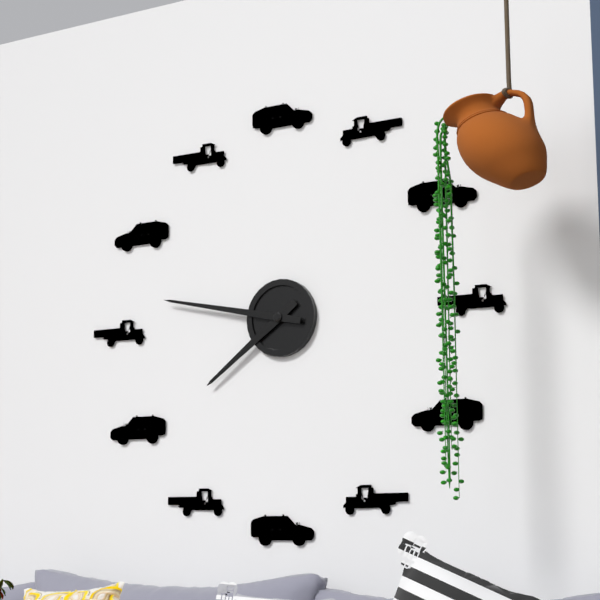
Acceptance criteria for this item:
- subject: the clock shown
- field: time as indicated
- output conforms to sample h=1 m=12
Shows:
h=7 m=47
